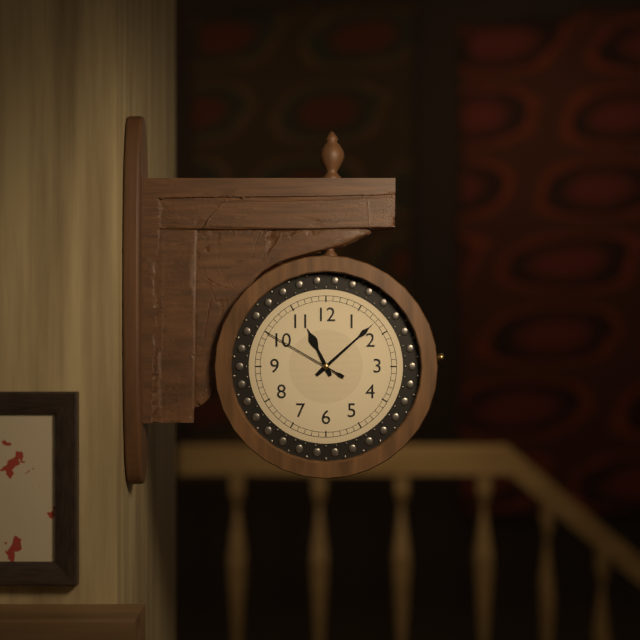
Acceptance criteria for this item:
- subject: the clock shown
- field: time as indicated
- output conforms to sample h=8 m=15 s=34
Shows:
h=11 m=8 s=50
